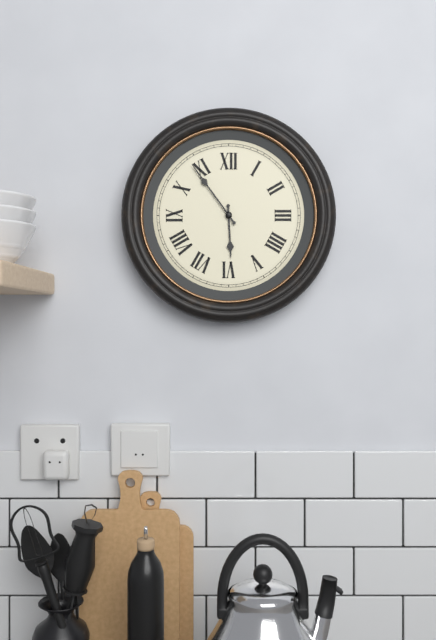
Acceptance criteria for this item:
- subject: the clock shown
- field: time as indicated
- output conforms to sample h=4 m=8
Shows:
h=5 m=54
